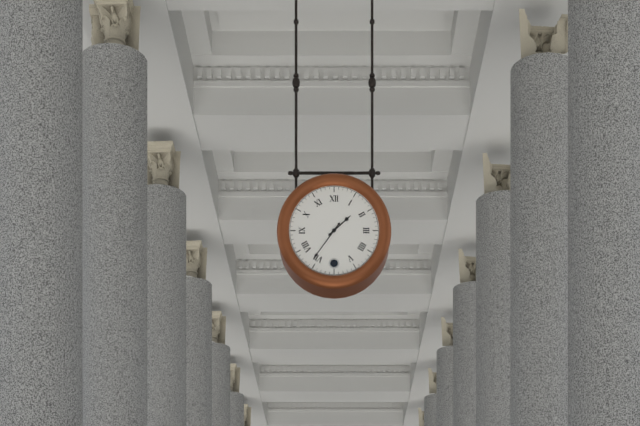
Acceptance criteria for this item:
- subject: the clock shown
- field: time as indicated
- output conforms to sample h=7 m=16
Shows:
h=1 m=36
